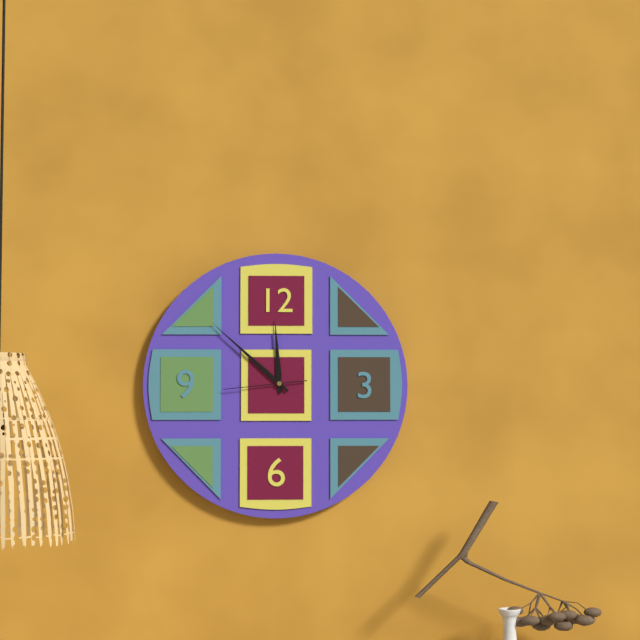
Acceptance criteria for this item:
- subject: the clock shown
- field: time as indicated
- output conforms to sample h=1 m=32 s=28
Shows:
h=11 m=52 s=44
